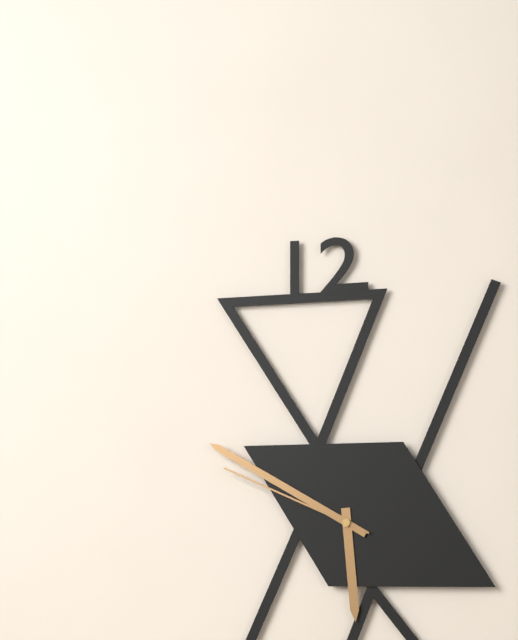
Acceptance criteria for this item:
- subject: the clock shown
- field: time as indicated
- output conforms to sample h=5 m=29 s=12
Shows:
h=5 m=50 s=49
